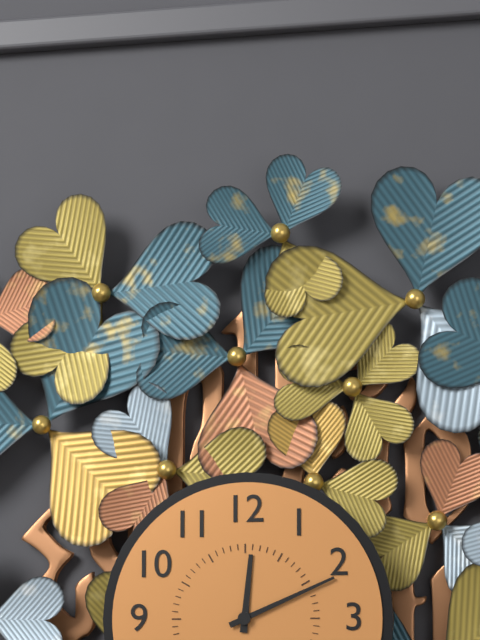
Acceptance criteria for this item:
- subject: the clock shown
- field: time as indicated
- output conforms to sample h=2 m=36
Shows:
h=12 m=11
